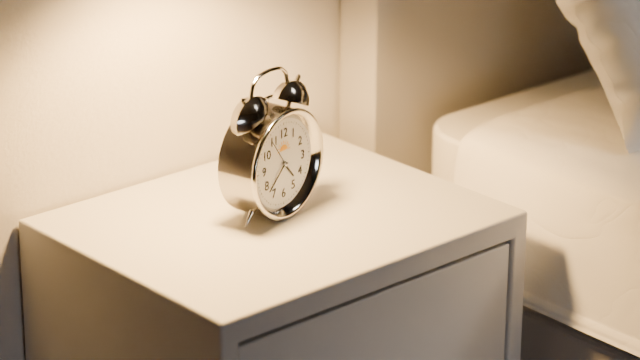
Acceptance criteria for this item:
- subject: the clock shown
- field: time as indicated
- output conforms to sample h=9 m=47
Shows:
h=4 m=38
